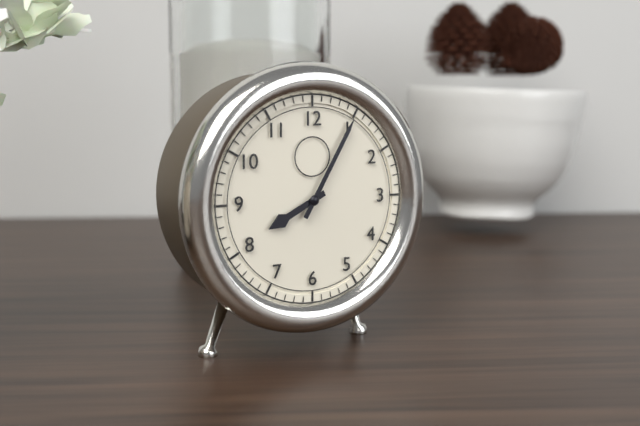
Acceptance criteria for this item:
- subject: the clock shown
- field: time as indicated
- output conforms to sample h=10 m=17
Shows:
h=8 m=5
